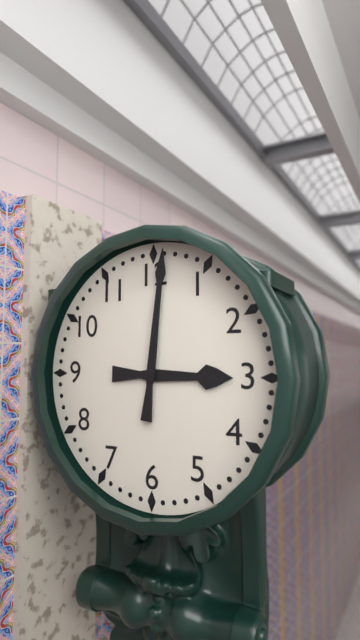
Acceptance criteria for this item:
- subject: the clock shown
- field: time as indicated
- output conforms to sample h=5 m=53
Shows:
h=3 m=1
